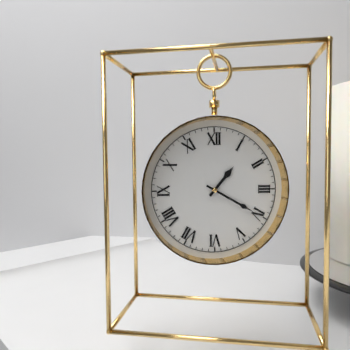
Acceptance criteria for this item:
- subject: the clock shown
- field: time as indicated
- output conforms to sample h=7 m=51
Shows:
h=1 m=20
